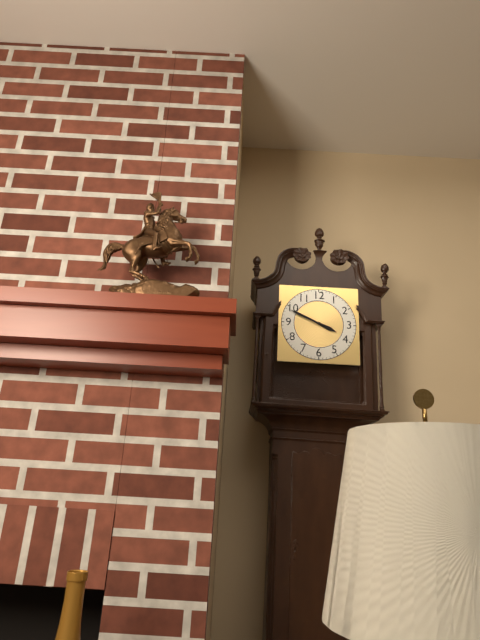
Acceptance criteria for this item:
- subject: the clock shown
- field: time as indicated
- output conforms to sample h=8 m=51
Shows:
h=3 m=49
